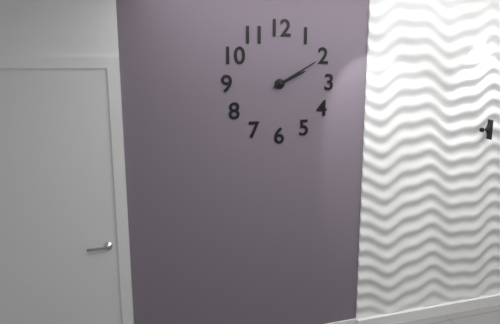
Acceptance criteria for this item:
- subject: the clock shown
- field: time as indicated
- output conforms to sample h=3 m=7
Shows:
h=2 m=10
